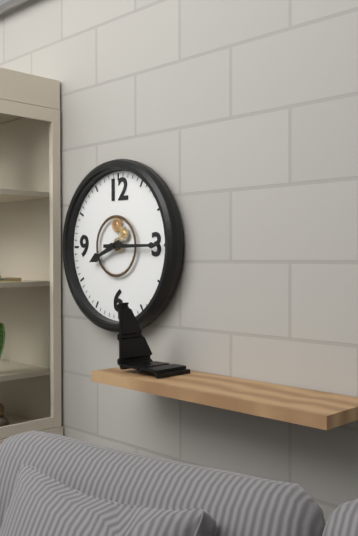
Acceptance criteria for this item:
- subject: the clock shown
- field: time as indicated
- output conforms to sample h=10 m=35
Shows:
h=8 m=15
